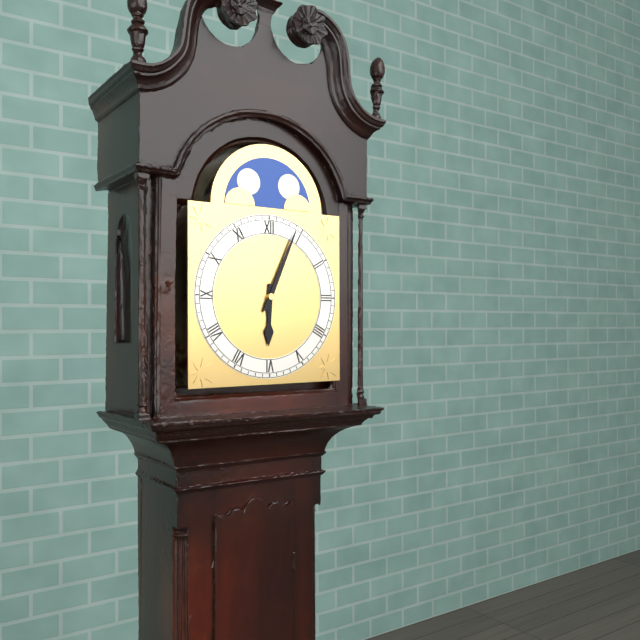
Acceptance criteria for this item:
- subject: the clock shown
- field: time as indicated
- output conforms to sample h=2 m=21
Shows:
h=6 m=4
